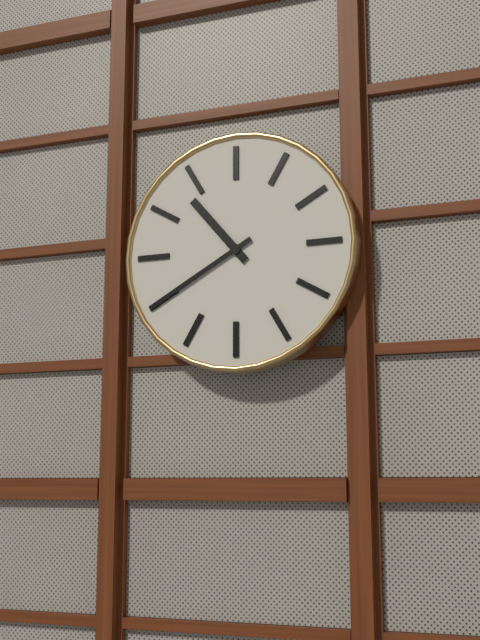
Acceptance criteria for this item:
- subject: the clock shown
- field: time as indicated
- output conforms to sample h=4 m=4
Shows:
h=10 m=40
